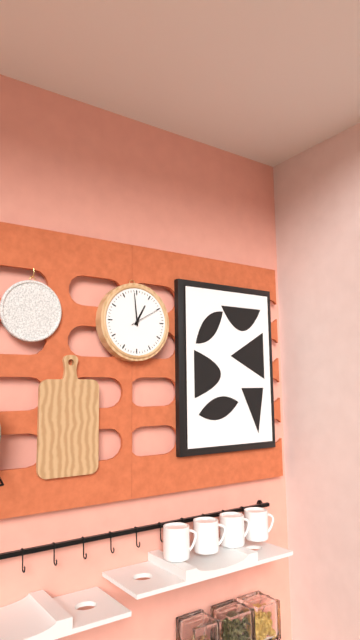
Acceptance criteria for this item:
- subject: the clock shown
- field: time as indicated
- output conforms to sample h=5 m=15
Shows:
h=12 m=59
